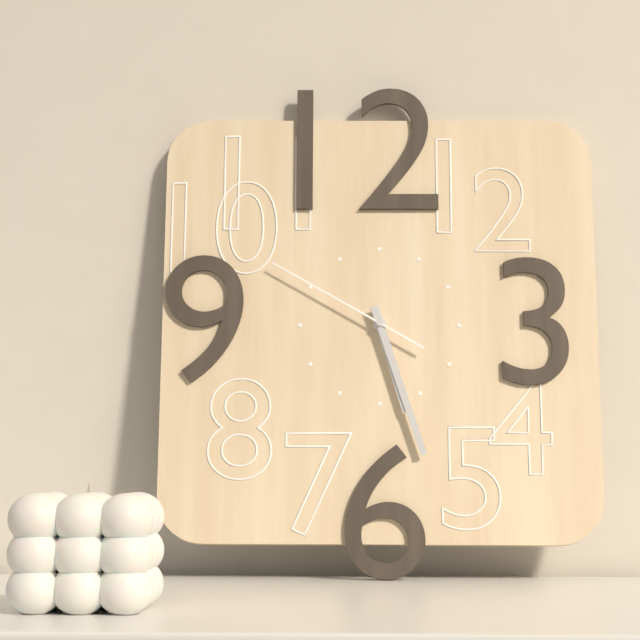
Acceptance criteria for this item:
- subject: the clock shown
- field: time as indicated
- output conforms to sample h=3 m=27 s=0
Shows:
h=5 m=27 s=50
